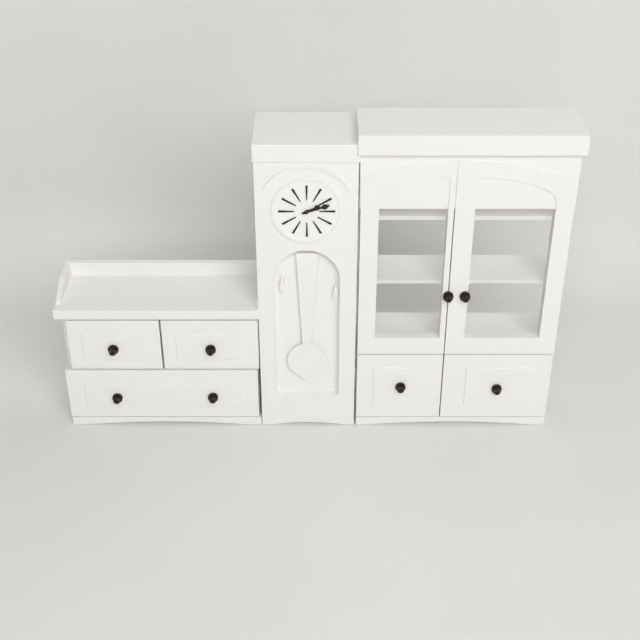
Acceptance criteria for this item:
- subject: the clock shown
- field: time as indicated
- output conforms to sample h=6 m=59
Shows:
h=2 m=12
